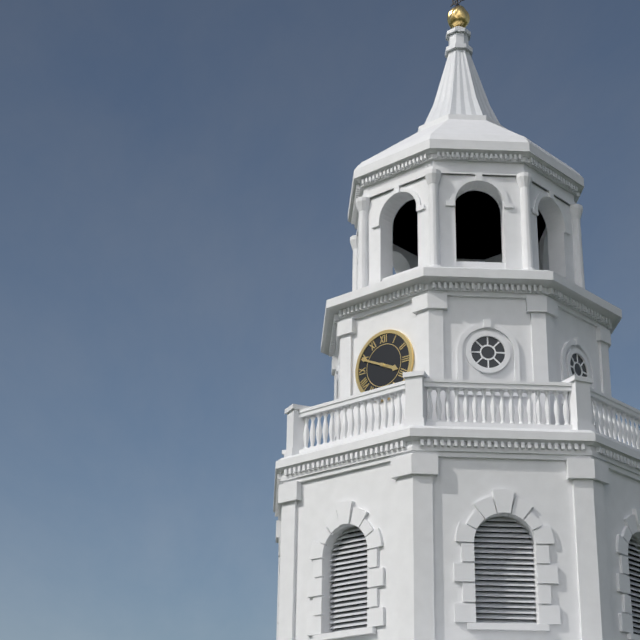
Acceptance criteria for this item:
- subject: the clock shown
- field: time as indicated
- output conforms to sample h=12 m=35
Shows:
h=3 m=49
